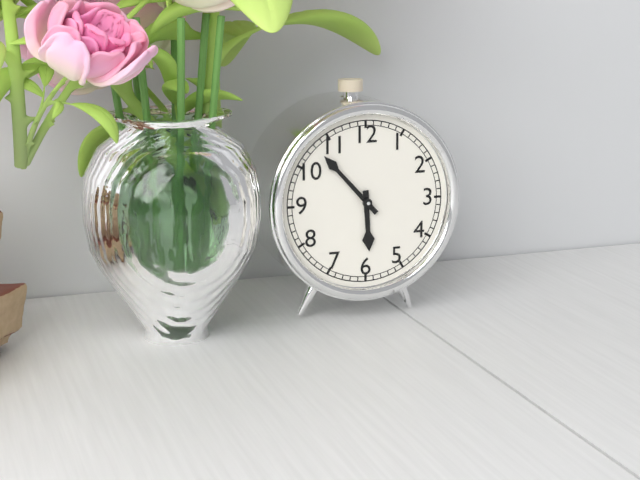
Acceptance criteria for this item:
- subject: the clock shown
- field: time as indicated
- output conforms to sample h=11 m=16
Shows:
h=5 m=53
